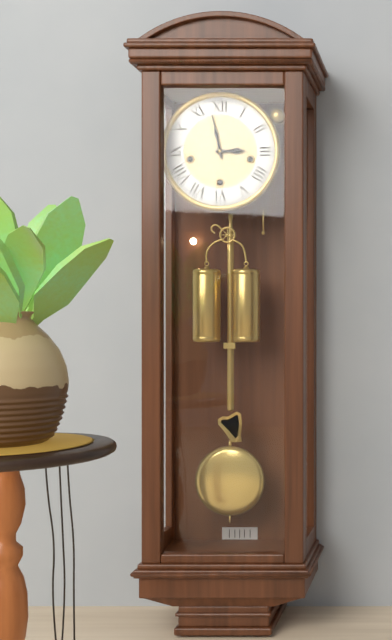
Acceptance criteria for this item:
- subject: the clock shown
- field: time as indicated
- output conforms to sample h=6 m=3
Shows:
h=2 m=58
